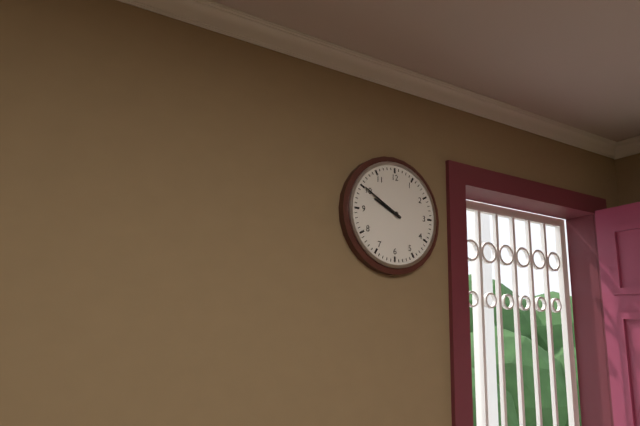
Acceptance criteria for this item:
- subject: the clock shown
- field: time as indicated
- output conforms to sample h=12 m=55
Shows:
h=9 m=50
